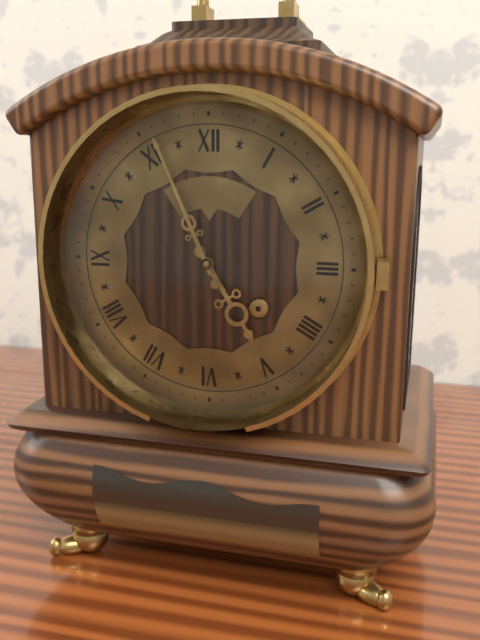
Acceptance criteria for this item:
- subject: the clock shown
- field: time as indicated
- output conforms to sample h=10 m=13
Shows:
h=4 m=56
